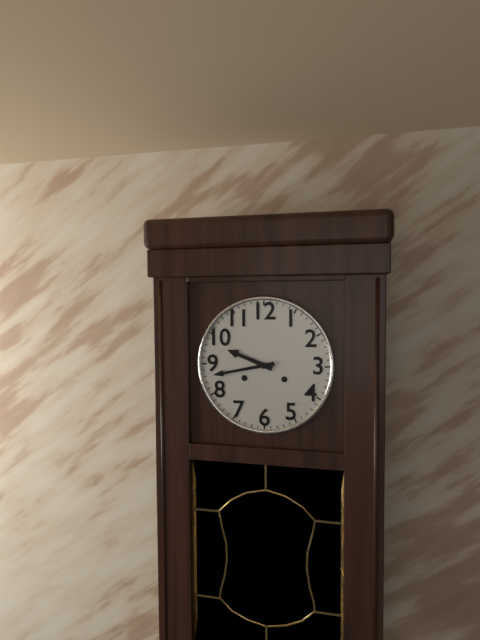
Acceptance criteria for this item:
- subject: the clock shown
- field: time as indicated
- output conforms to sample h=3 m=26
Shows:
h=9 m=43
